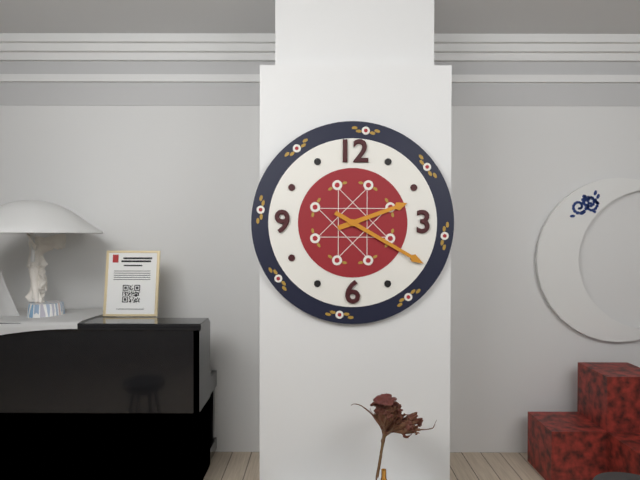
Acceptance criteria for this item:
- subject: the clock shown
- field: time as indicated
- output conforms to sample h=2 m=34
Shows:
h=2 m=20
